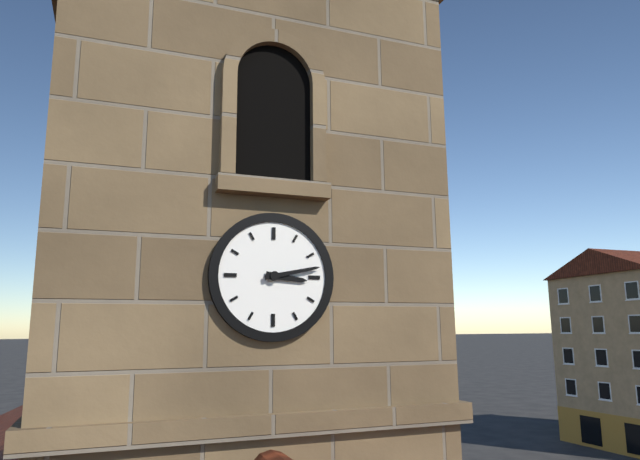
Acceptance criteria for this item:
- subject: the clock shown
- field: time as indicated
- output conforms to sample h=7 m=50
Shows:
h=3 m=13
